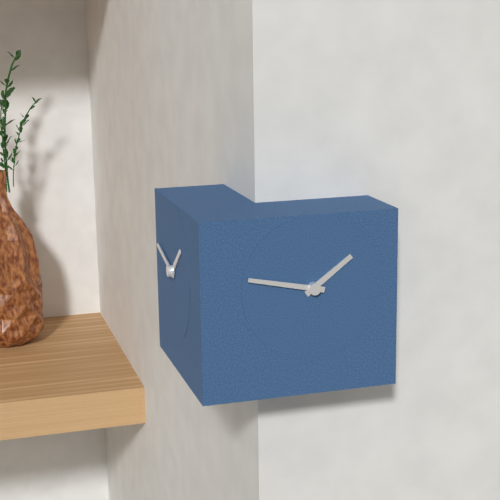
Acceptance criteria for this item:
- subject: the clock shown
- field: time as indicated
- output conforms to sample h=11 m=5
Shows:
h=1 m=47
